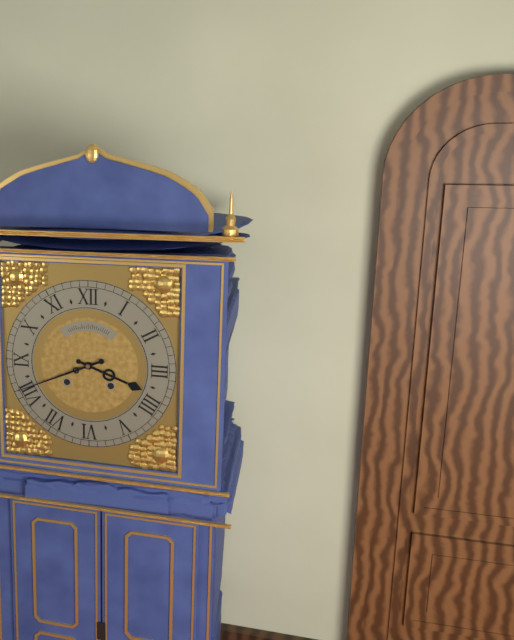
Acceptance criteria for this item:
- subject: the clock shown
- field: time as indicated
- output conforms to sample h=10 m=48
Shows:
h=3 m=41
